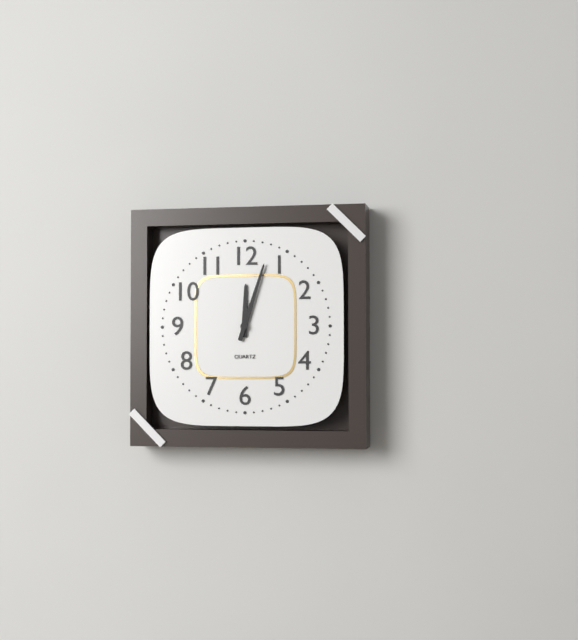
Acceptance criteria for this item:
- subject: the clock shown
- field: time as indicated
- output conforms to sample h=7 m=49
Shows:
h=12 m=3
